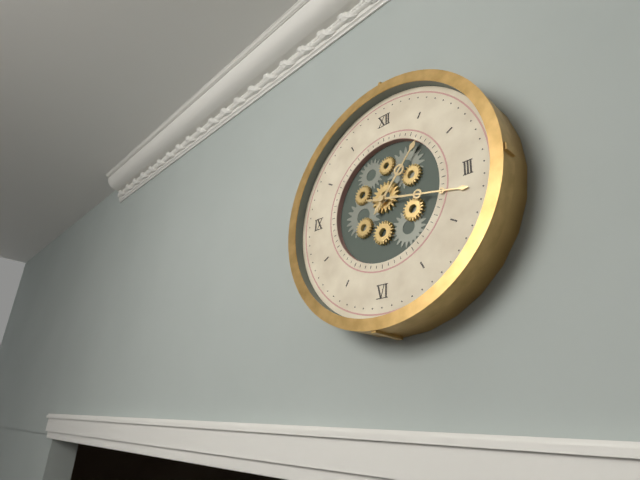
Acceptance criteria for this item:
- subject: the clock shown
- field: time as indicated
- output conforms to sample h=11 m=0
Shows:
h=1 m=17
